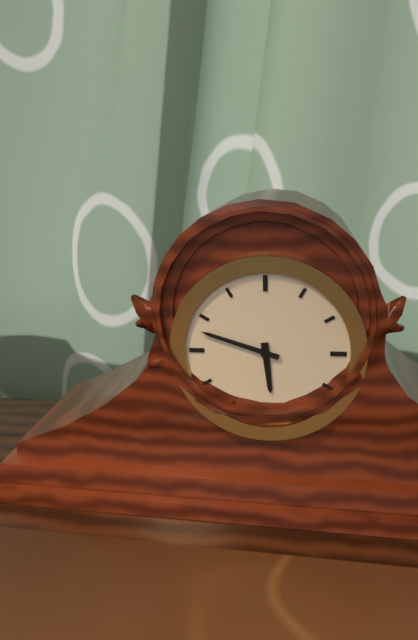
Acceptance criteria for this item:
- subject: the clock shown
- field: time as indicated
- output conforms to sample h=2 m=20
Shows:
h=5 m=48
